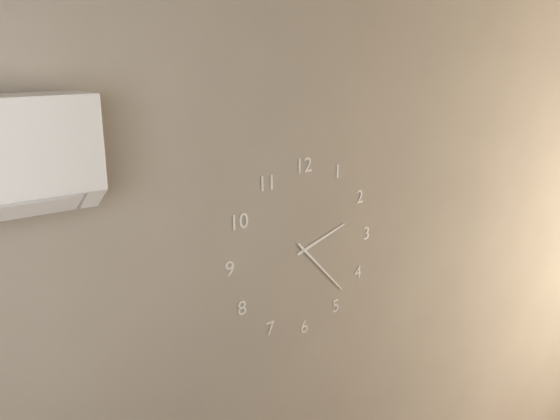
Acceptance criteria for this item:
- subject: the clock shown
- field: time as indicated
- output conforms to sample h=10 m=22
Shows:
h=2 m=23
